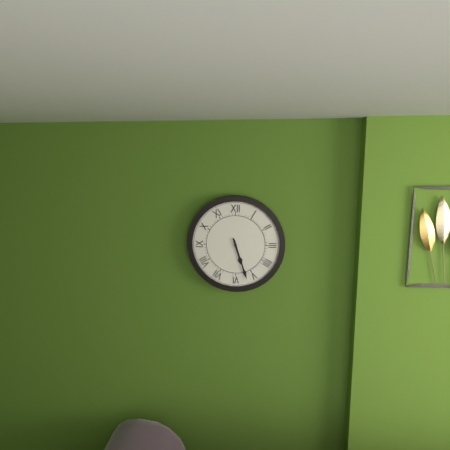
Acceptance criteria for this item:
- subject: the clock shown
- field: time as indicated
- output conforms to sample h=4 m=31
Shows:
h=5 m=27
